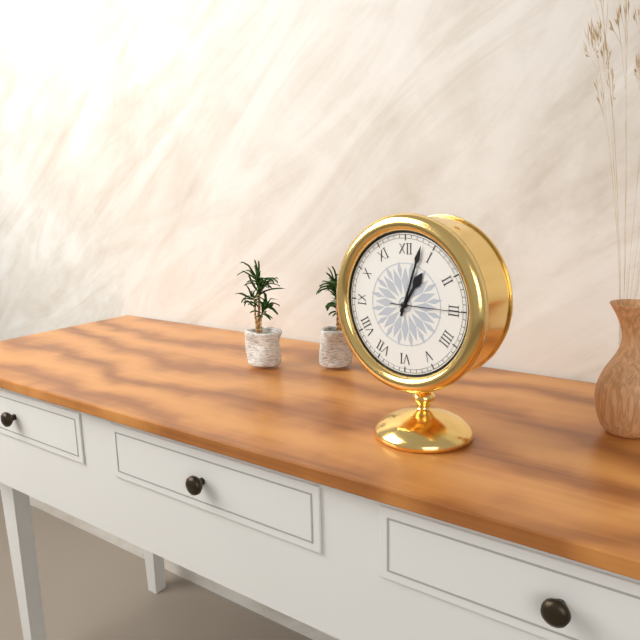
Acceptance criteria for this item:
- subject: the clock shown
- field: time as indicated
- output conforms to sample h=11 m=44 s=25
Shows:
h=1 m=3 s=15
